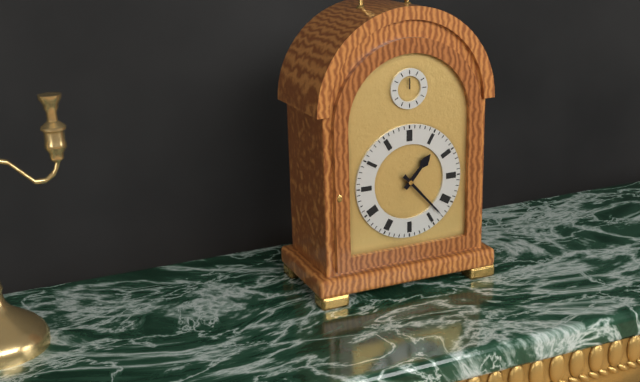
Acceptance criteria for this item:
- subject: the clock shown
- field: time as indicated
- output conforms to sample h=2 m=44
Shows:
h=1 m=23
